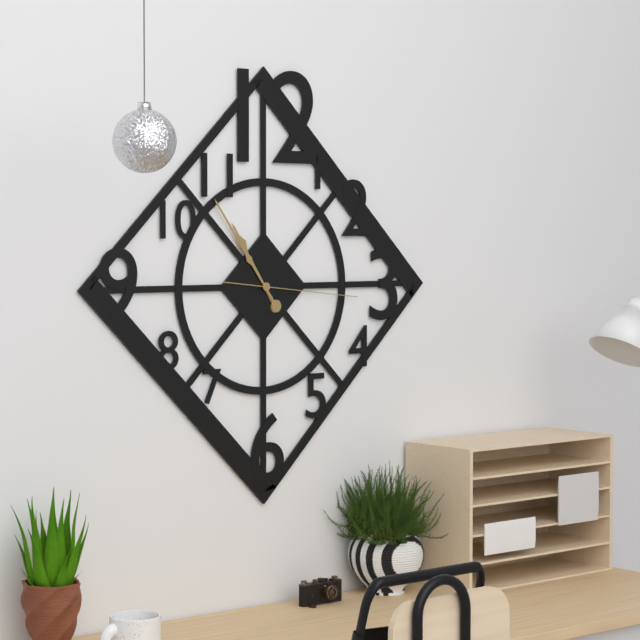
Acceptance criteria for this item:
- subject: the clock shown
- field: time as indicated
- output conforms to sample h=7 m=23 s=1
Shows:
h=10 m=54 s=16
